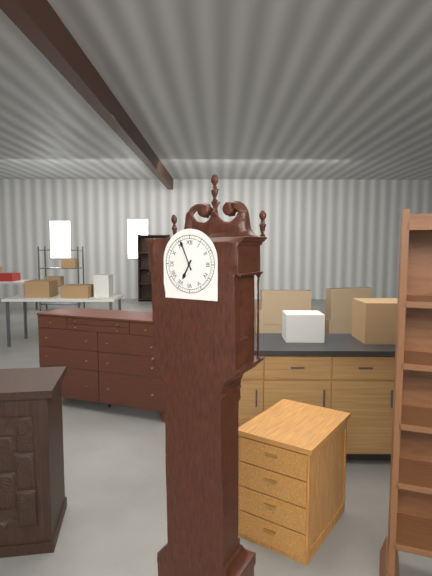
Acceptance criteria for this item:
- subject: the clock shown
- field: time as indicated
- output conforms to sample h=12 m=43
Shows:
h=6 m=56
